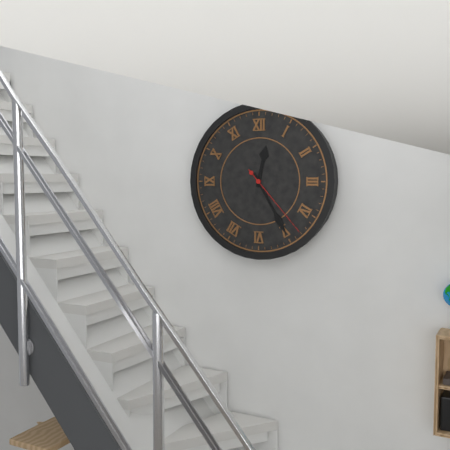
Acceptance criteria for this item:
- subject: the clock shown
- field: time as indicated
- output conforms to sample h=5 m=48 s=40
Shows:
h=12 m=25 s=23
